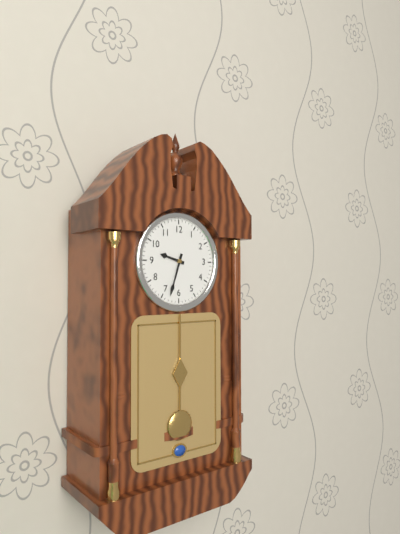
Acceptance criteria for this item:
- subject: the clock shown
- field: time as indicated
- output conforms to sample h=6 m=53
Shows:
h=9 m=33
